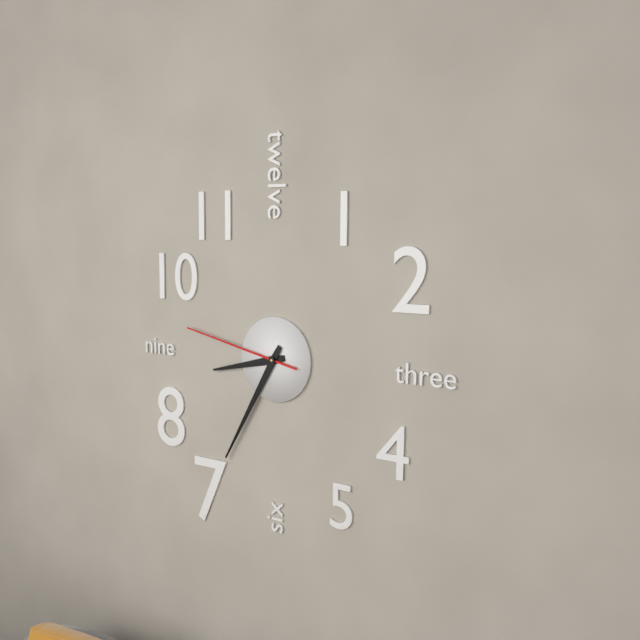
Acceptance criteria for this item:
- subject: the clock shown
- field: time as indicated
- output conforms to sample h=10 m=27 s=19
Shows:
h=8 m=35 s=47
